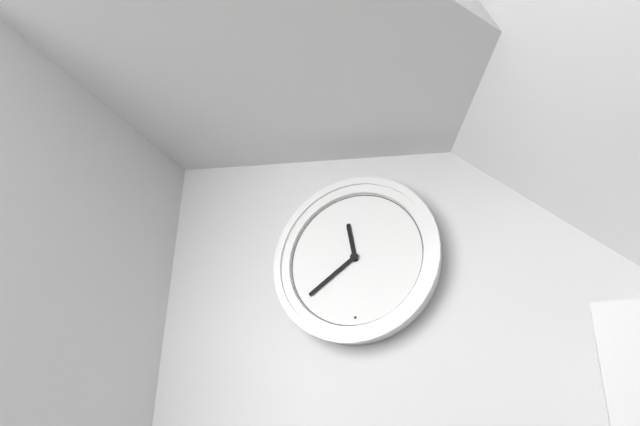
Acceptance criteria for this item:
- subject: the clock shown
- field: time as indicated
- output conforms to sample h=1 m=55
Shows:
h=11 m=39
